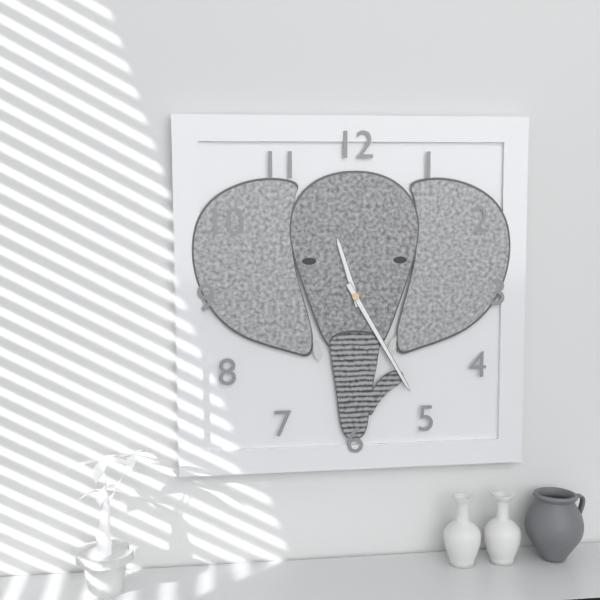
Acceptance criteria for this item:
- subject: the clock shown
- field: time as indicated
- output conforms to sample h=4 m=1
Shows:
h=11 m=25
